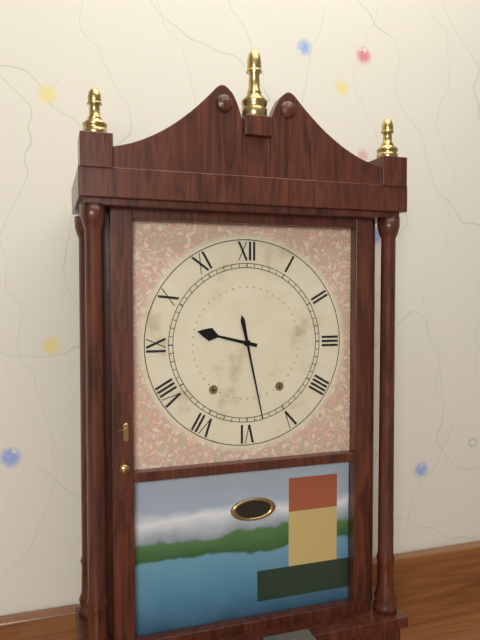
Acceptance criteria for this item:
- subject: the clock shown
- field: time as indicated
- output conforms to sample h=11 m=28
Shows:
h=9 m=28
